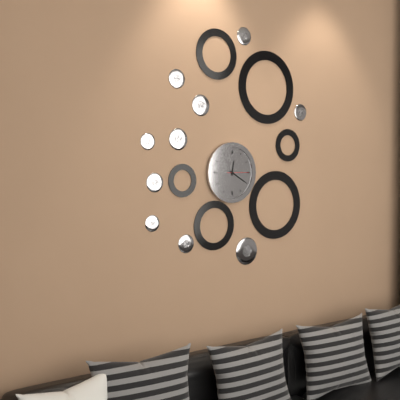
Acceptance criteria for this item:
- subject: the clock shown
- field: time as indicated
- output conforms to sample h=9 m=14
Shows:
h=12 m=20
